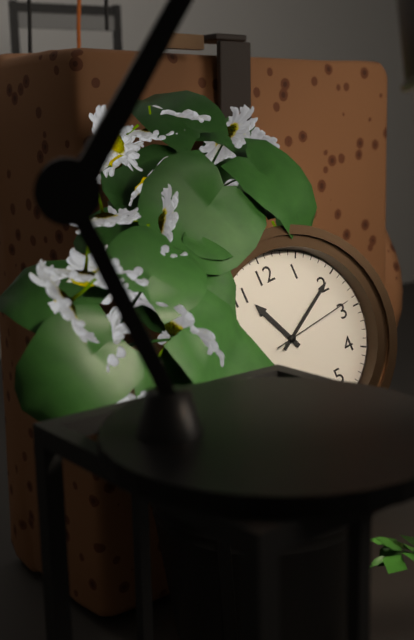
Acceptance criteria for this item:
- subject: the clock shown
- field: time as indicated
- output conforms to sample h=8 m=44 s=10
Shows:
h=11 m=10 s=14
